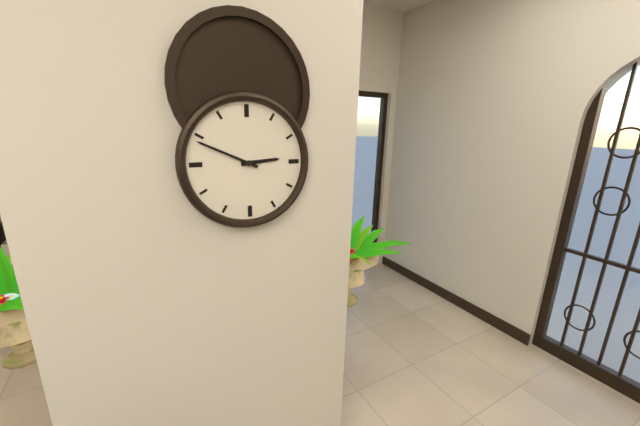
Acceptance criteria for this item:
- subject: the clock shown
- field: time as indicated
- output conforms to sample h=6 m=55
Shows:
h=2 m=49
